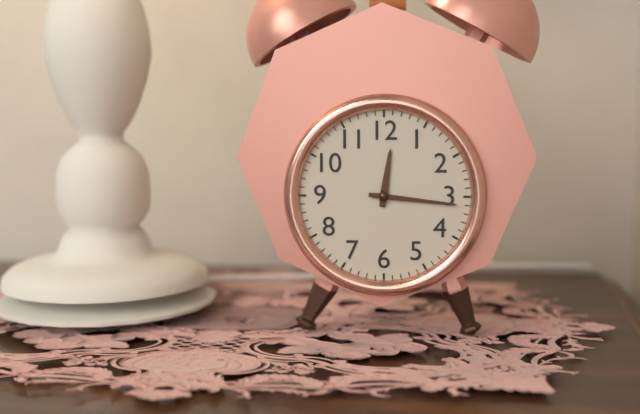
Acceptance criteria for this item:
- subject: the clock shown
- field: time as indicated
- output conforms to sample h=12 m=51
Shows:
h=12 m=16
